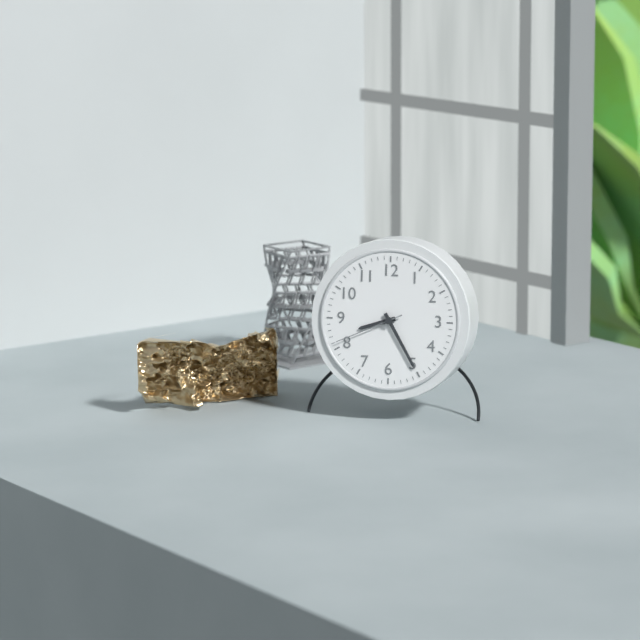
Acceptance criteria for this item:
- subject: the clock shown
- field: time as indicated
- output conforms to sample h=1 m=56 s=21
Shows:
h=8 m=25 s=41
